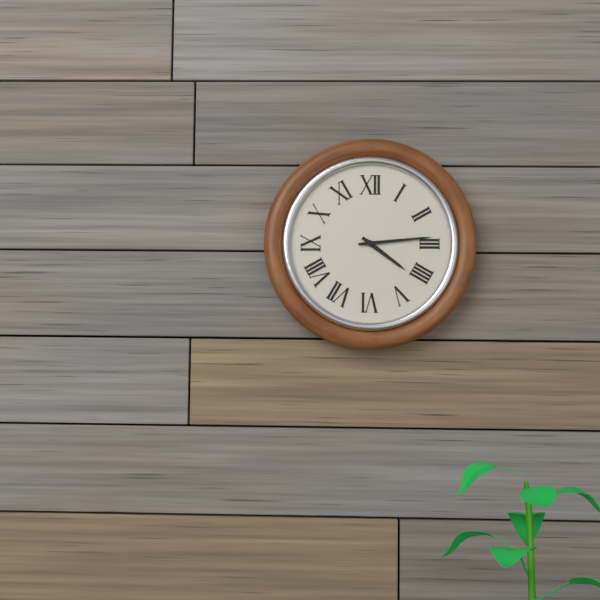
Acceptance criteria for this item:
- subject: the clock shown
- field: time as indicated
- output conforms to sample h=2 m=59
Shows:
h=4 m=14
